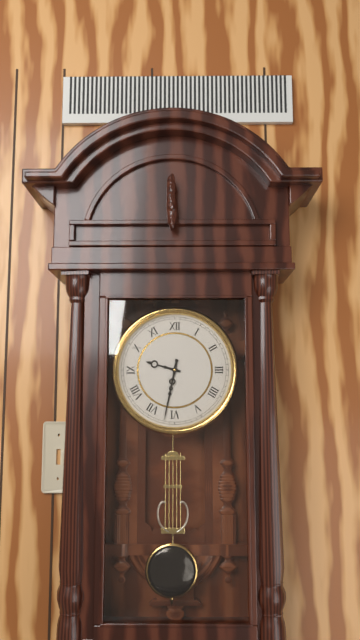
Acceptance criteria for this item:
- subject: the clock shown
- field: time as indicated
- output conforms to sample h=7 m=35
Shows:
h=9 m=32
